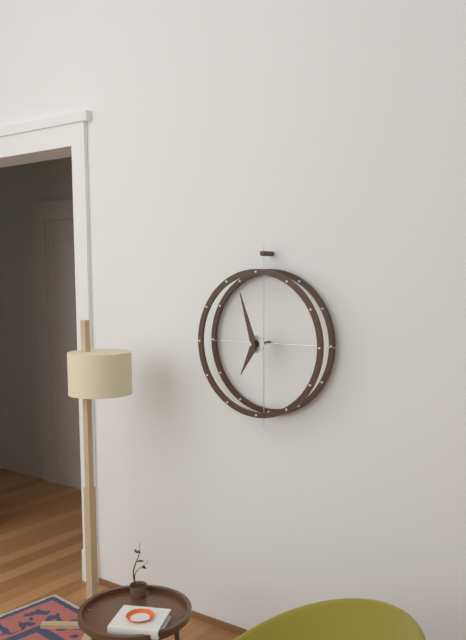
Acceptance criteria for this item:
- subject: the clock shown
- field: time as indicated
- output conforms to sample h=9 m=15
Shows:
h=6 m=57
